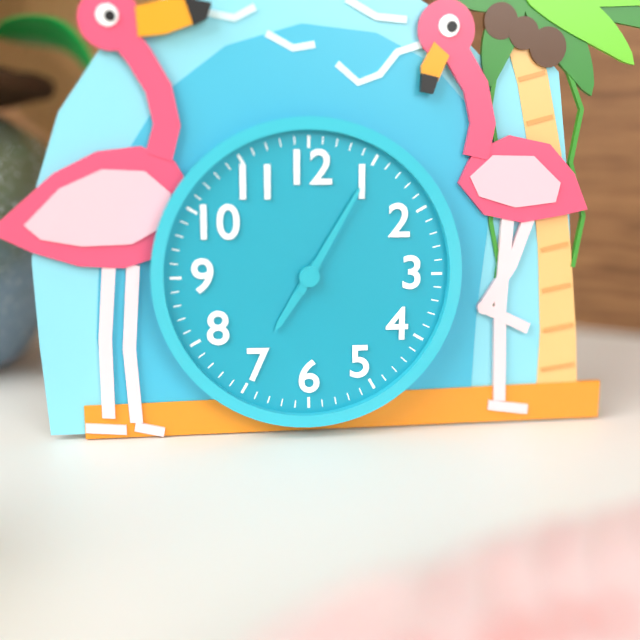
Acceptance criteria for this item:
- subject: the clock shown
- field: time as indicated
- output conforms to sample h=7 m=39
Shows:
h=7 m=5
